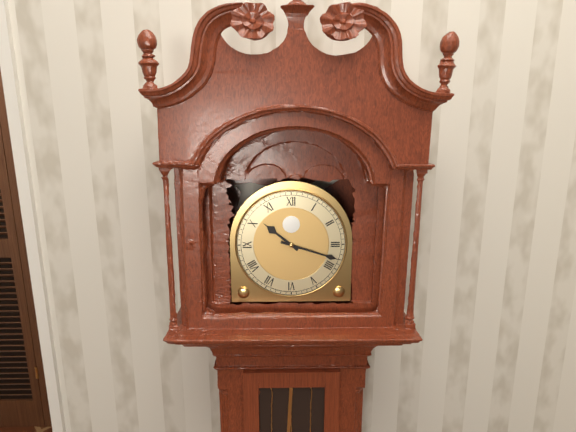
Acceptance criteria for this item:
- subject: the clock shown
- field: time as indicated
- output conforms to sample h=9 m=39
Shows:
h=10 m=18
